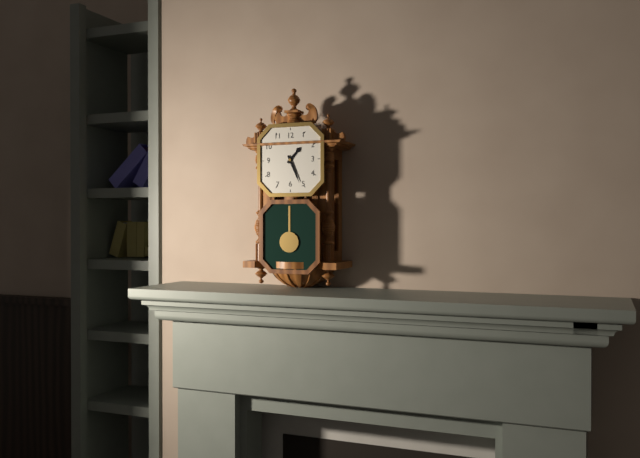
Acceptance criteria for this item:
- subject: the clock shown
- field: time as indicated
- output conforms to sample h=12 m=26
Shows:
h=1 m=26
